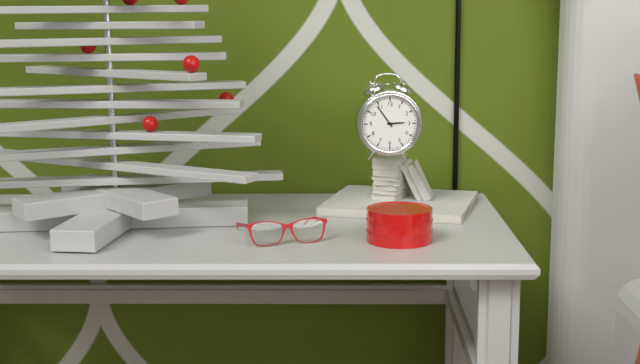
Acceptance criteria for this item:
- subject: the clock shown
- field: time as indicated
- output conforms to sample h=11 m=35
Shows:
h=2 m=54
